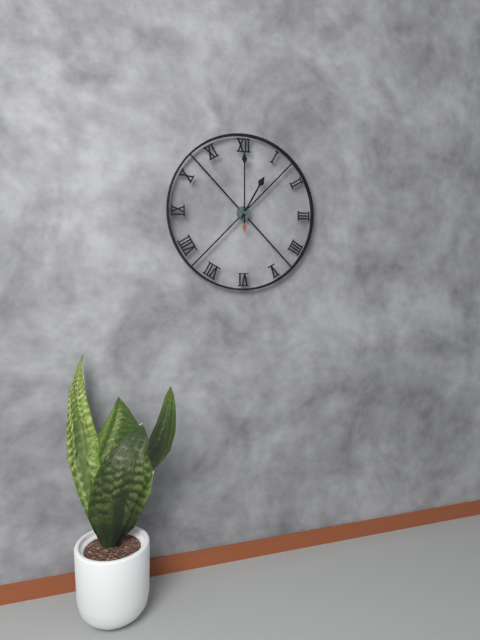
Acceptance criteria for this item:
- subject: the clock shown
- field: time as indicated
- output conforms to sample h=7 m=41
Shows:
h=1 m=0
